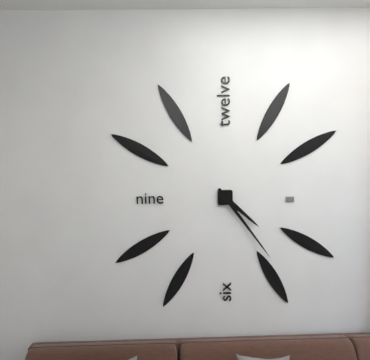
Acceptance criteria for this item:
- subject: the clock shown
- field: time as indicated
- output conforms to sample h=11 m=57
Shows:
h=4 m=24
